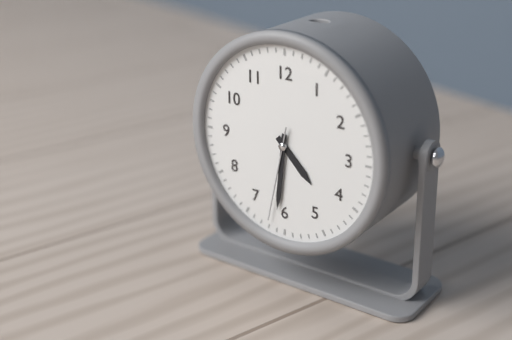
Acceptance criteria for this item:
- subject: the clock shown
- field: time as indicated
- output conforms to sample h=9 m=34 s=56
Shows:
h=4 m=31 s=32
